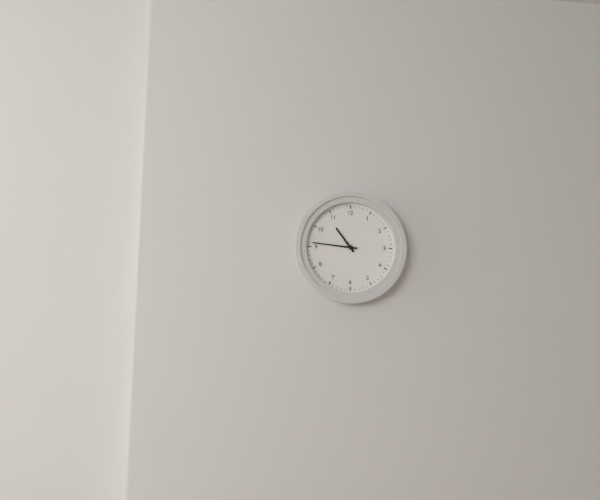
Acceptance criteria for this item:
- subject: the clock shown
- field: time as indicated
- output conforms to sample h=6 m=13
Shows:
h=10 m=46
